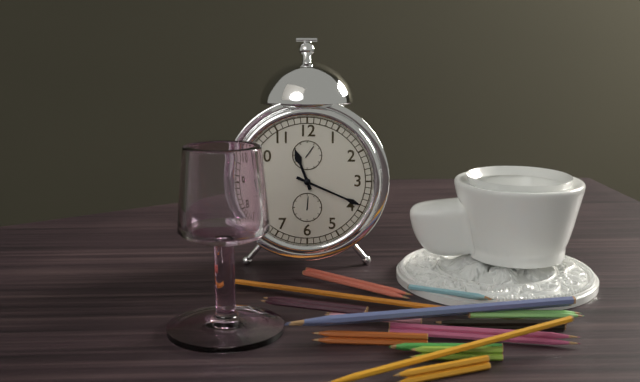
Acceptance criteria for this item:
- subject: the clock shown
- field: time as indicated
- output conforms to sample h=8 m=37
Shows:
h=11 m=19
